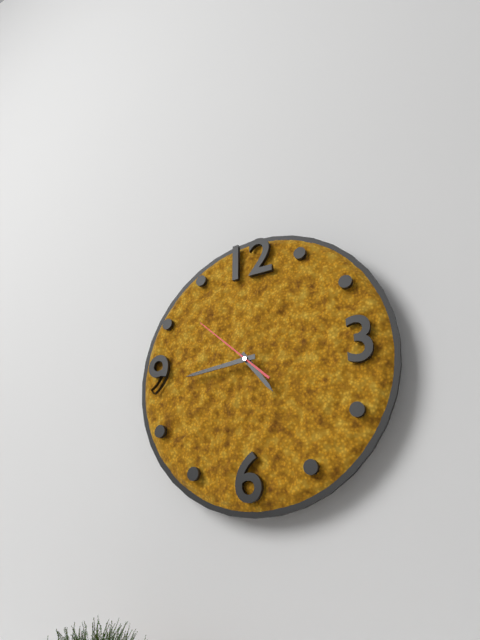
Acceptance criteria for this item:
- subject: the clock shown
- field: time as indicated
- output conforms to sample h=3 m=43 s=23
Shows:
h=4 m=44 s=52
